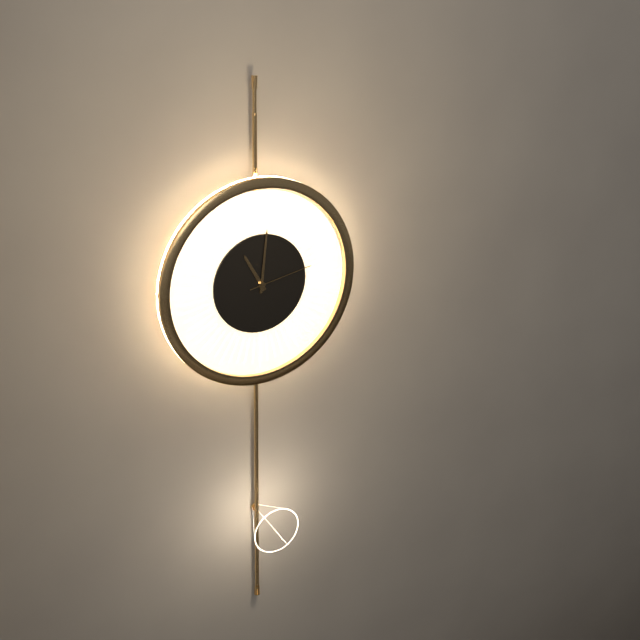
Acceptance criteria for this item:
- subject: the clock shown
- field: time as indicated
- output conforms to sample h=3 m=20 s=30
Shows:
h=11 m=1 s=13
